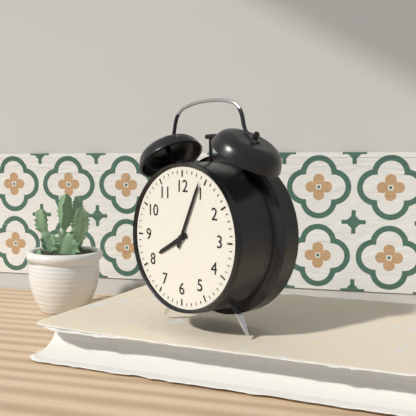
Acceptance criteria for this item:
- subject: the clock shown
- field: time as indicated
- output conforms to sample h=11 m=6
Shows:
h=8 m=4
